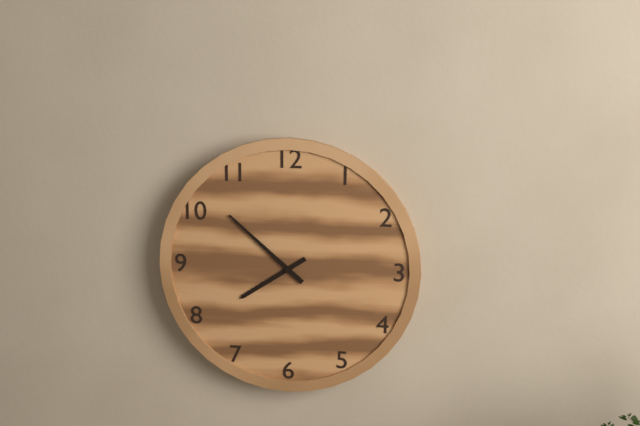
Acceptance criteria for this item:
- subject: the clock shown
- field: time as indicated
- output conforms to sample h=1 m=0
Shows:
h=7 m=52
